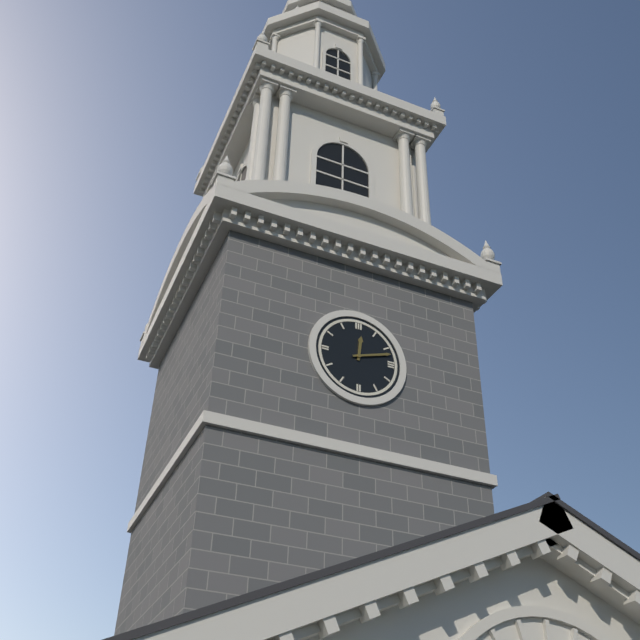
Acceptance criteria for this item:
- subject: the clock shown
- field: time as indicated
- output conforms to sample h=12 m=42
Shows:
h=12 m=12
